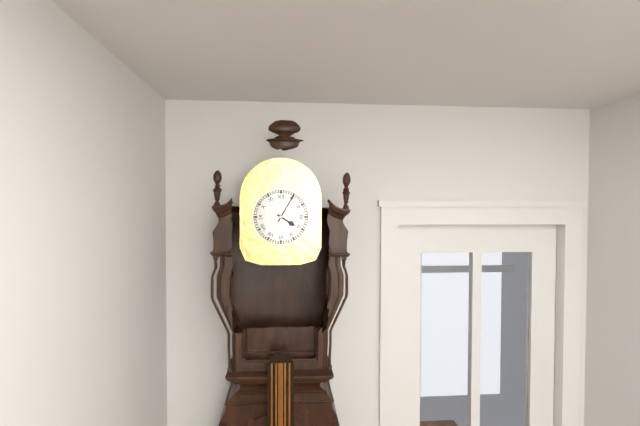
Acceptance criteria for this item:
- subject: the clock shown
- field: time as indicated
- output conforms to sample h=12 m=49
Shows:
h=4 m=5
